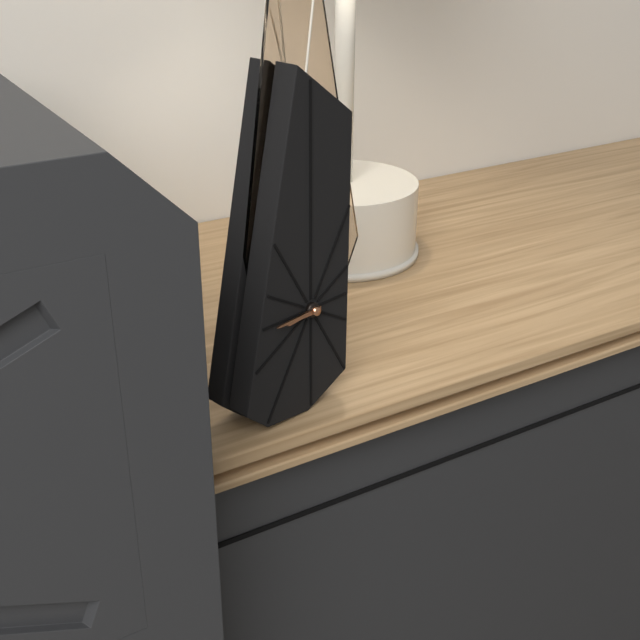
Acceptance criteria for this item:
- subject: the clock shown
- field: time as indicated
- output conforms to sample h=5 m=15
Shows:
h=8 m=45
